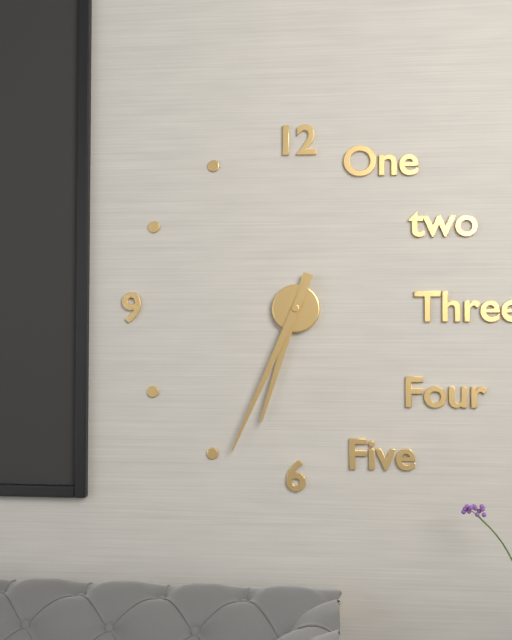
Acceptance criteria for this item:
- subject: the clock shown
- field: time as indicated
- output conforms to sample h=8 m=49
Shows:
h=6 m=34
